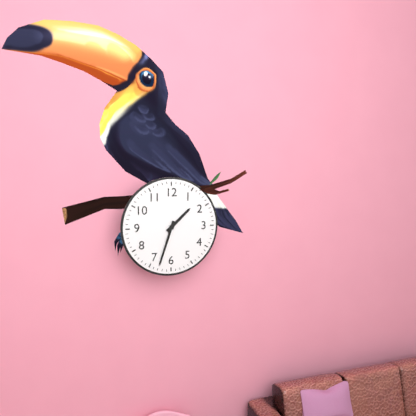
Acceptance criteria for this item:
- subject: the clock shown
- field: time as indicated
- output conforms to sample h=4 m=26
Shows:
h=1 m=33
